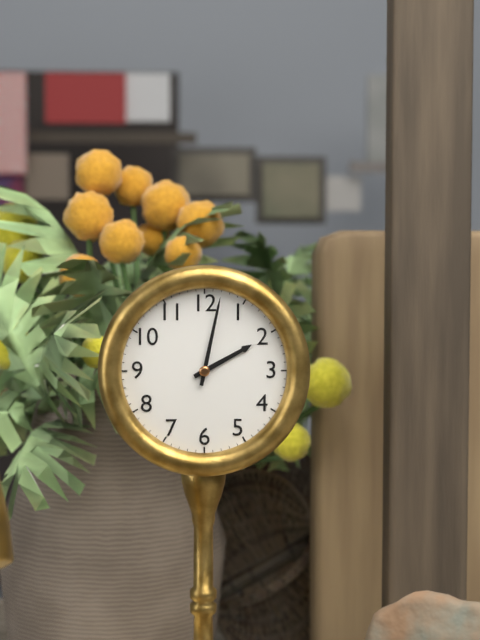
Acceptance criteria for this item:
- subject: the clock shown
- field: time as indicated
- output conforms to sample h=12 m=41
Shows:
h=2 m=2
